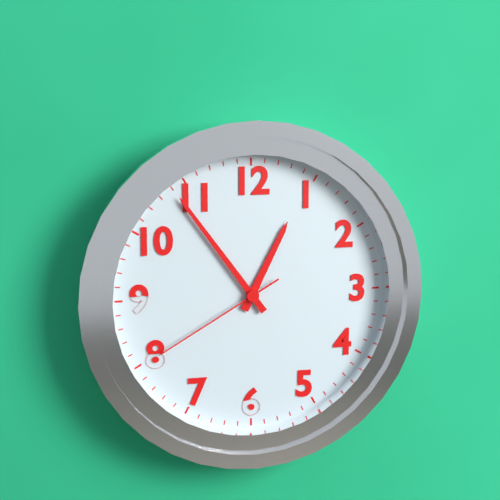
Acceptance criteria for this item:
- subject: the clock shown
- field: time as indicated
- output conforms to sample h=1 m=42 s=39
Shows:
h=12 m=54 s=40
